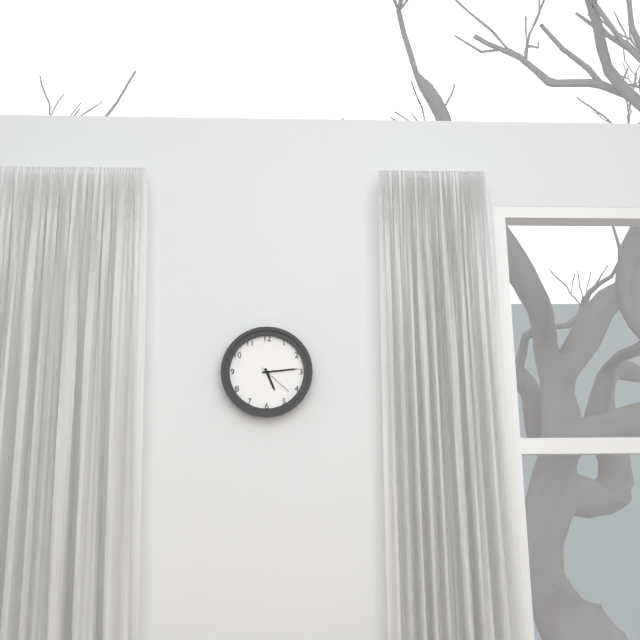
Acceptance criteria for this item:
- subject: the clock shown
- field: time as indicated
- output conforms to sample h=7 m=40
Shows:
h=5 m=14
